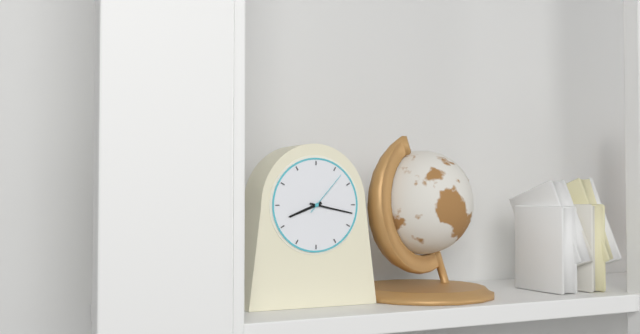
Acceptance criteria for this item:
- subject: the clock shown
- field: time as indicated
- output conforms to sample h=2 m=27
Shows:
h=8 m=17
